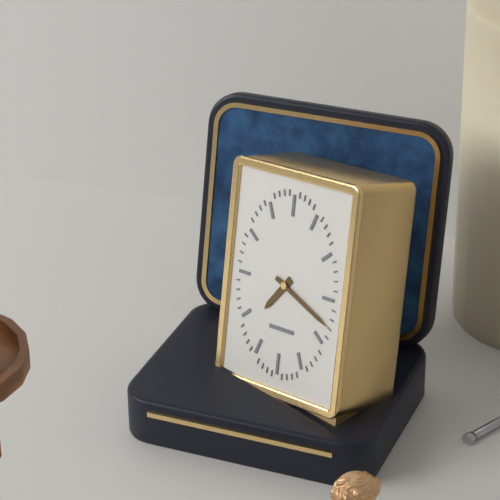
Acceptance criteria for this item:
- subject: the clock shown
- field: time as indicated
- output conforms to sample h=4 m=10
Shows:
h=7 m=19
